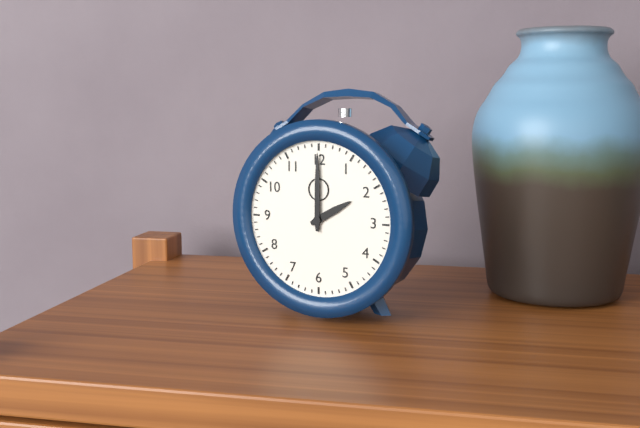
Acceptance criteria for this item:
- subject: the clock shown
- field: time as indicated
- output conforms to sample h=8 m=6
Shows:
h=2 m=0
